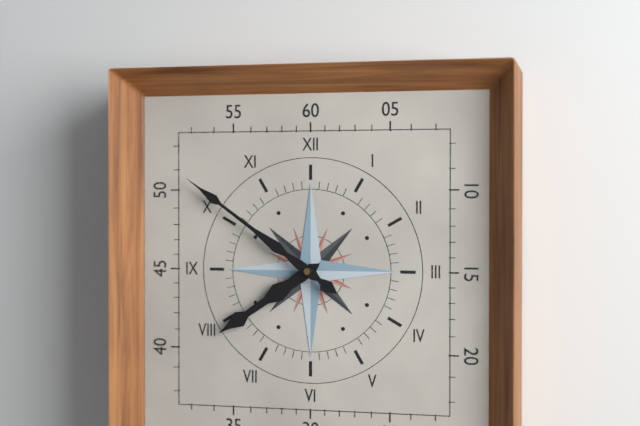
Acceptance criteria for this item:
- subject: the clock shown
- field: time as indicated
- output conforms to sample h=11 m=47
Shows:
h=7 m=51
